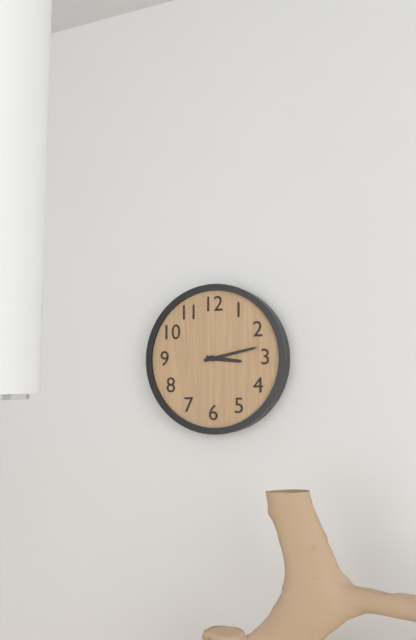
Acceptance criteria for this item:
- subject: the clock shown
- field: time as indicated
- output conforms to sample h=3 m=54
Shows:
h=3 m=13
